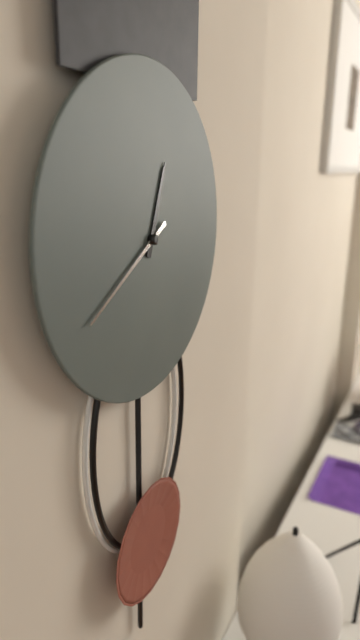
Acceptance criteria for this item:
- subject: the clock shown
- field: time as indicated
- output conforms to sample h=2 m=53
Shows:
h=12 m=40
